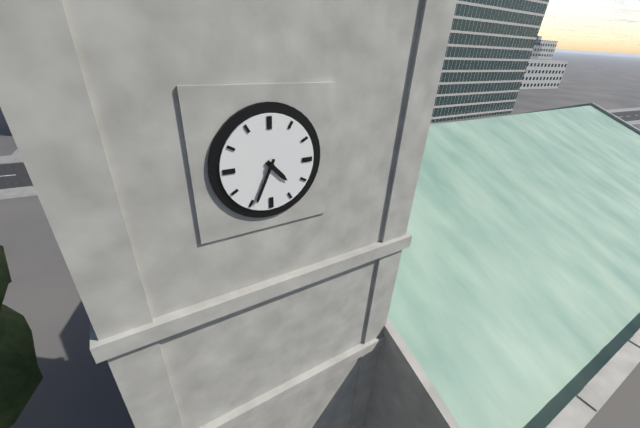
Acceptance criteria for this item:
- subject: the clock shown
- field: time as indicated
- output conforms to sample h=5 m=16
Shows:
h=4 m=34
